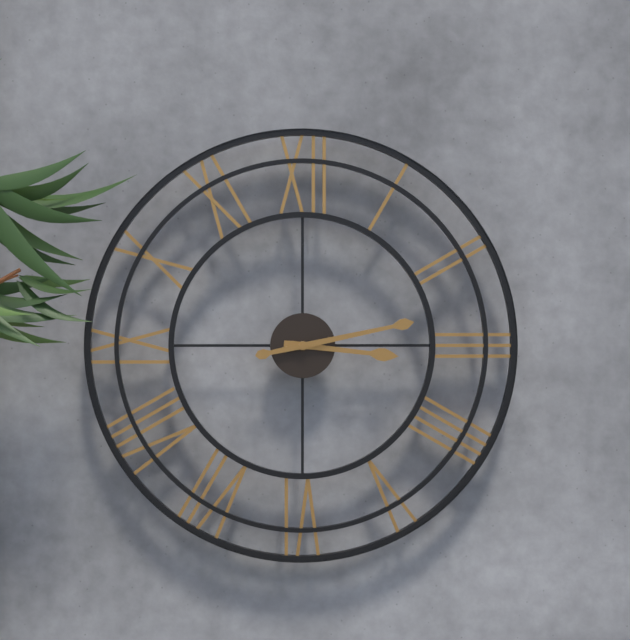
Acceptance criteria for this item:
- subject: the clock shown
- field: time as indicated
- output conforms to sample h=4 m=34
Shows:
h=3 m=13
